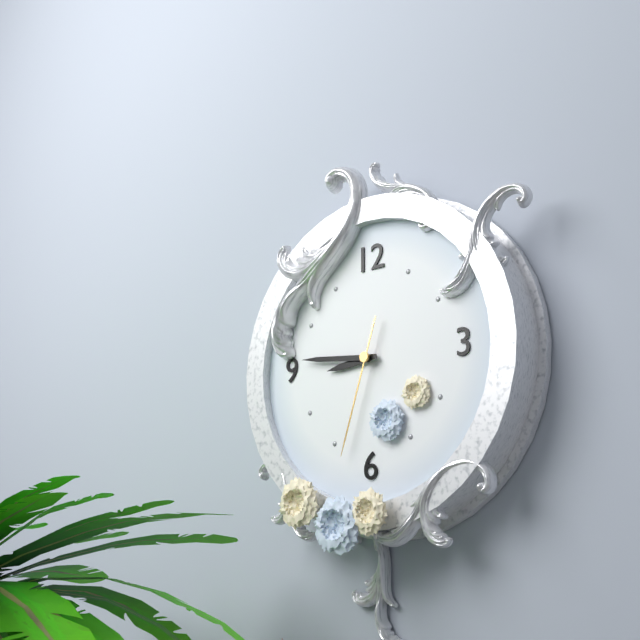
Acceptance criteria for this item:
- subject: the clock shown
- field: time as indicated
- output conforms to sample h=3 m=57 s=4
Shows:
h=8 m=46 s=33
